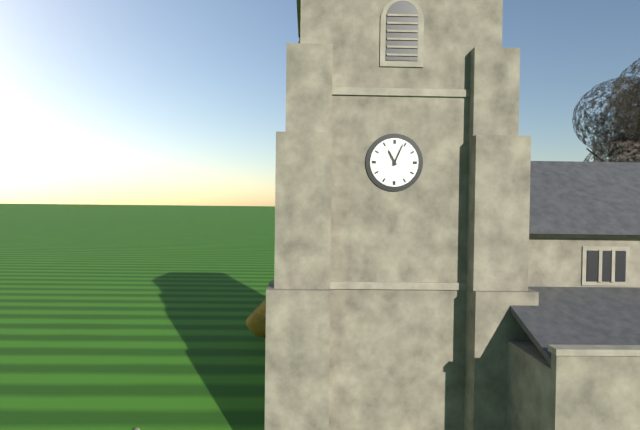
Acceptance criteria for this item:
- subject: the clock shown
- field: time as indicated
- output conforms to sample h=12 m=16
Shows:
h=11 m=4
